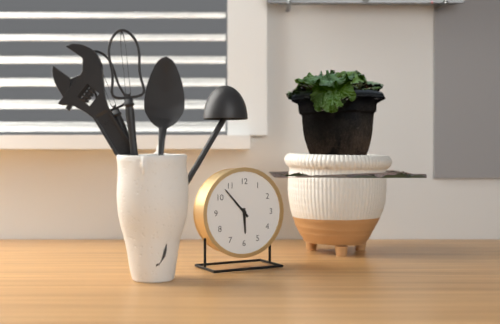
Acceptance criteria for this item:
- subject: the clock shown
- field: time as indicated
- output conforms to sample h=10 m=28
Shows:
h=5 m=53
